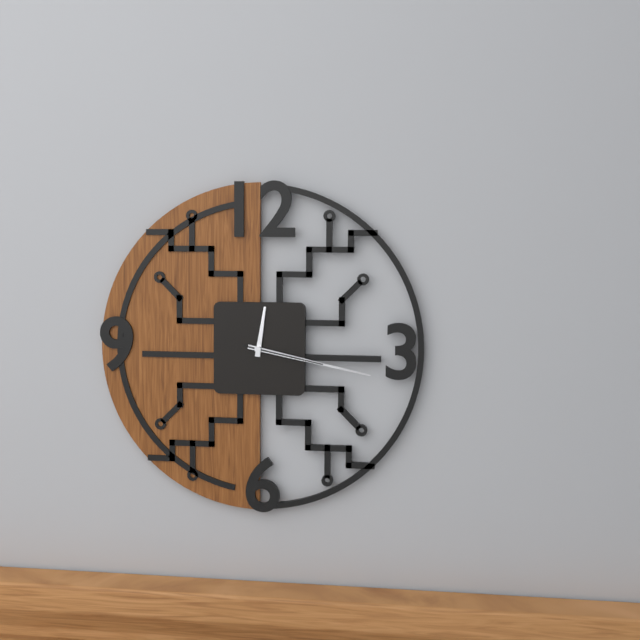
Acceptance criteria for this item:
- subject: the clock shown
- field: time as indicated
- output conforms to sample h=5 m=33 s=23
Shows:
h=12 m=17 s=17
